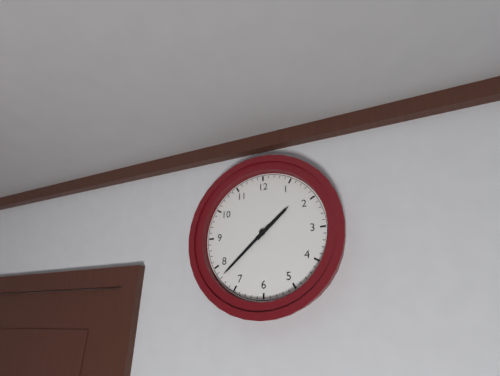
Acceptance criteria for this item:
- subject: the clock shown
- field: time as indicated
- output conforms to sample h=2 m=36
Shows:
h=1 m=38
